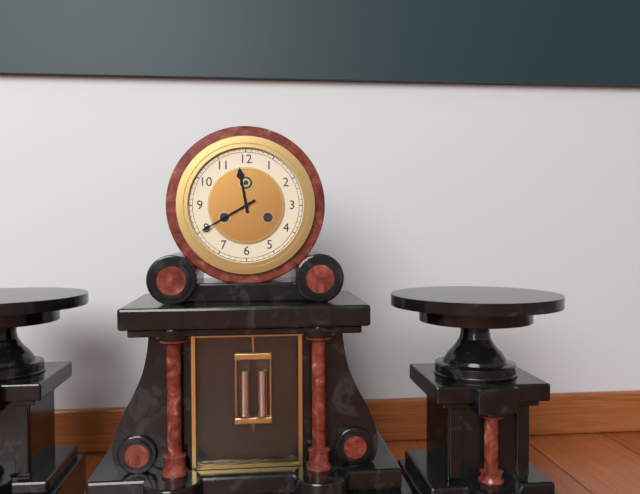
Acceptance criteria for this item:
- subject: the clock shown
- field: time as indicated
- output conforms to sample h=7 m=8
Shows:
h=11 m=40
